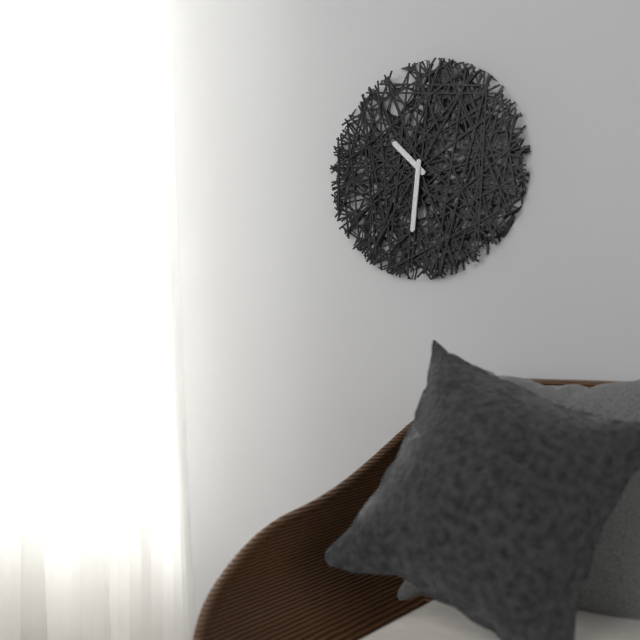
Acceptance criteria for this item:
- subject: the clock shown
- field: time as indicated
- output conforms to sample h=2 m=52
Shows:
h=10 m=31
